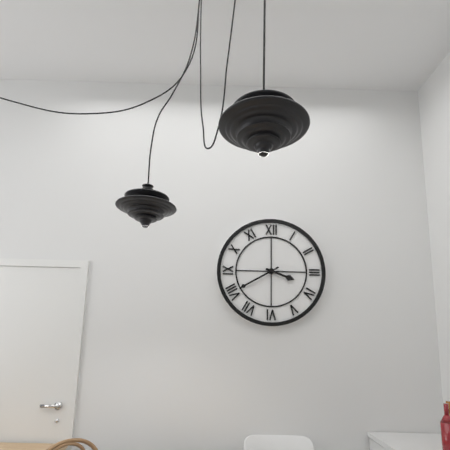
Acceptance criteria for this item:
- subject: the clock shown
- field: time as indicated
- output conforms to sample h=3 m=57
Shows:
h=3 m=40
